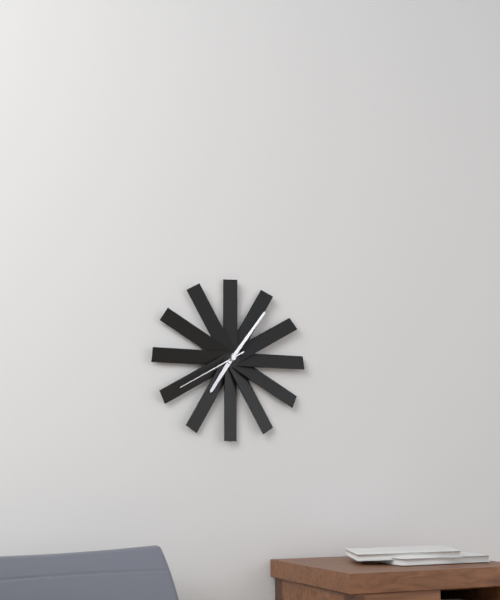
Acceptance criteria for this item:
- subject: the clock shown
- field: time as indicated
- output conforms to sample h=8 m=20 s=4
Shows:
h=7 m=6 s=40
